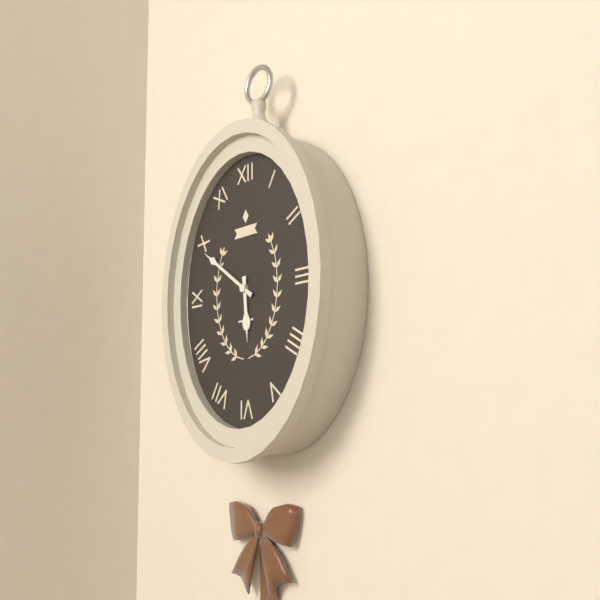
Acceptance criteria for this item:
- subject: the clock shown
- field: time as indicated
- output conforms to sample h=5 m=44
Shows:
h=5 m=51
